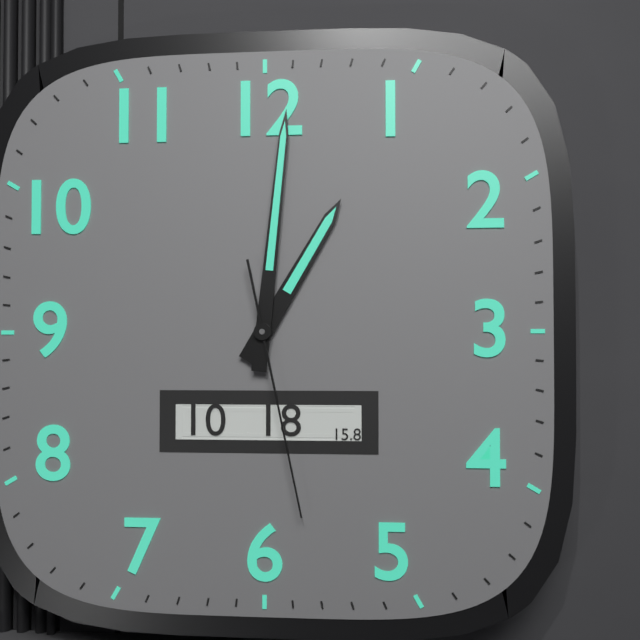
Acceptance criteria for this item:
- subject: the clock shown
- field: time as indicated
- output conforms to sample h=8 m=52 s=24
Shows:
h=1 m=1 s=28
